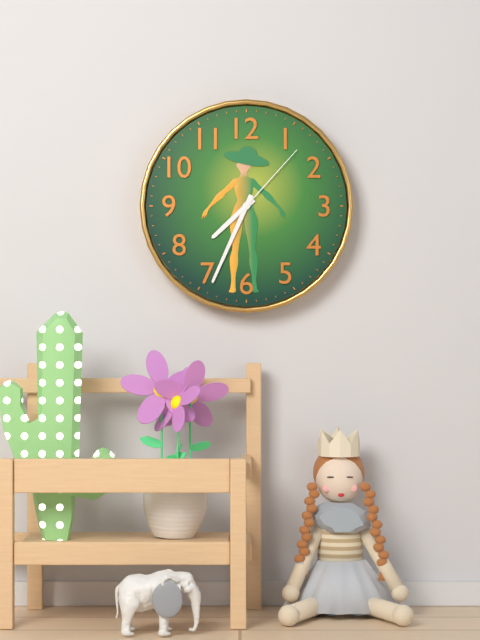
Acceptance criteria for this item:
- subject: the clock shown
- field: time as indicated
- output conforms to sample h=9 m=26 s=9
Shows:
h=7 m=34 s=7
